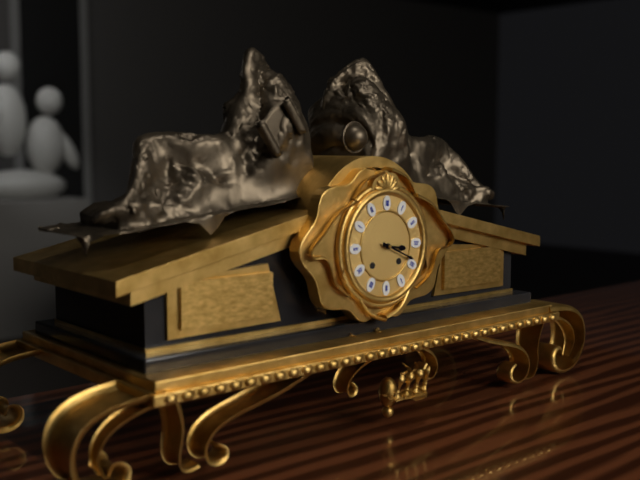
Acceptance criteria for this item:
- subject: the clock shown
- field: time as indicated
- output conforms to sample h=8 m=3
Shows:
h=3 m=19
